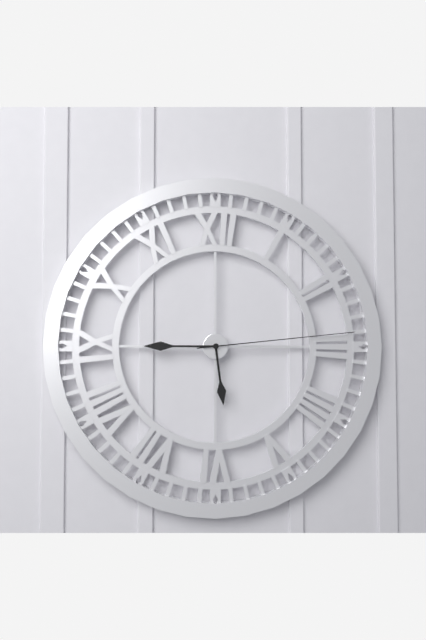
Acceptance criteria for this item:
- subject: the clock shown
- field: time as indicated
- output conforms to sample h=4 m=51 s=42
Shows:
h=5 m=45 s=14
